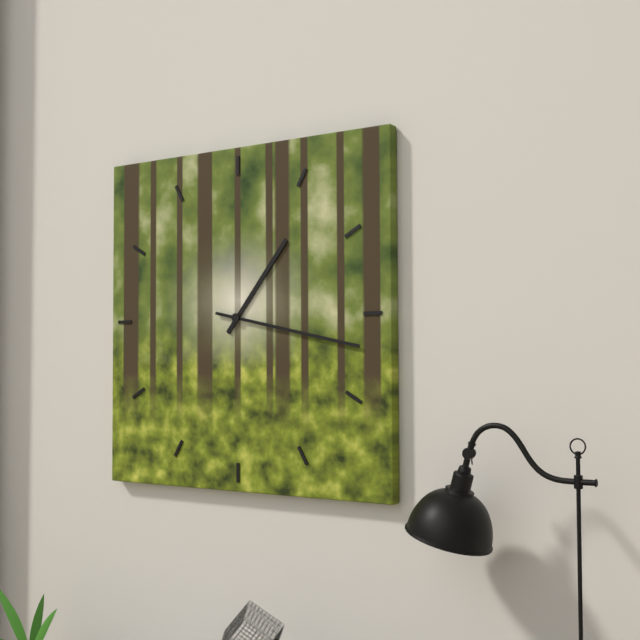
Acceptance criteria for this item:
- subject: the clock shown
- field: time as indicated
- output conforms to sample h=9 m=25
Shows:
h=1 m=17
